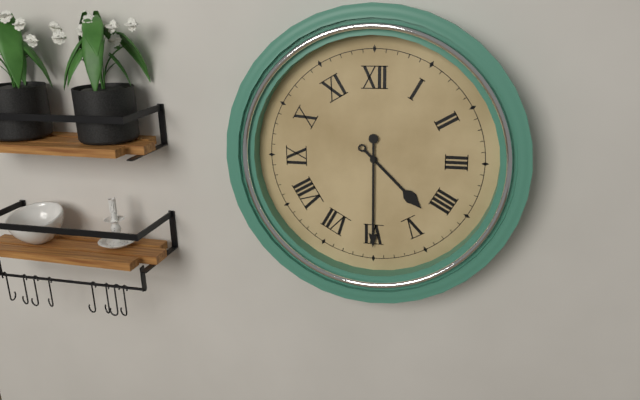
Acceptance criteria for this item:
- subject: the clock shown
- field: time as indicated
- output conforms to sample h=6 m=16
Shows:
h=4 m=30
